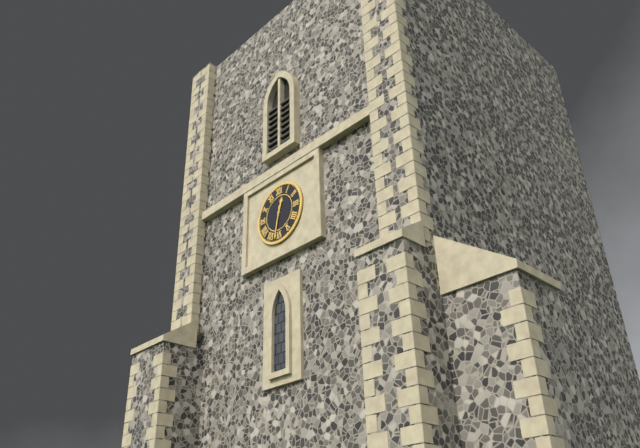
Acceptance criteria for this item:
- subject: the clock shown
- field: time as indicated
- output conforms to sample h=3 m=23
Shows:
h=12 m=32
